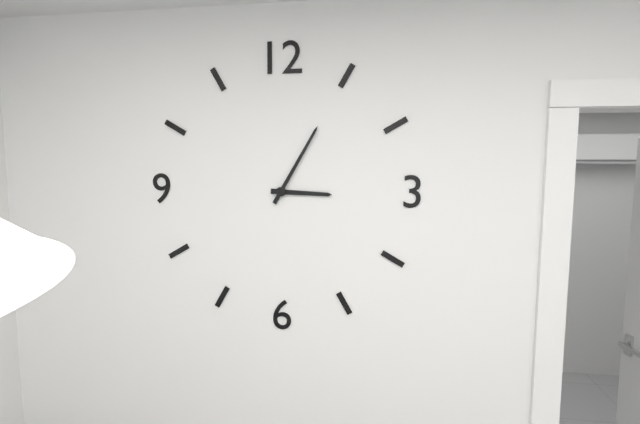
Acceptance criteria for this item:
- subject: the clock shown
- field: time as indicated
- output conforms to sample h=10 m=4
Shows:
h=3 m=5
